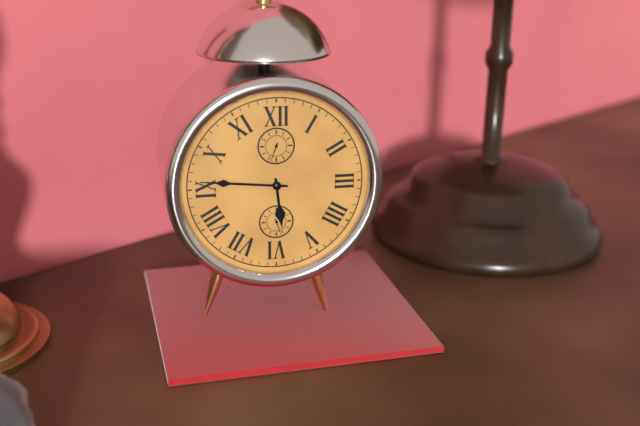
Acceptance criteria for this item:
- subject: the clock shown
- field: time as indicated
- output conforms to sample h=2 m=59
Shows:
h=5 m=46
